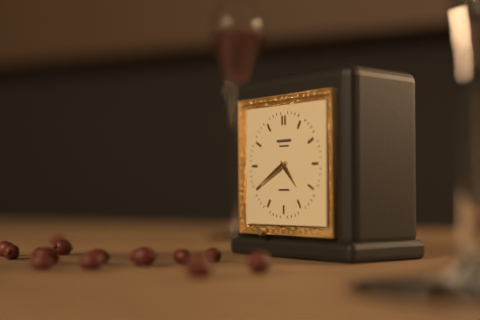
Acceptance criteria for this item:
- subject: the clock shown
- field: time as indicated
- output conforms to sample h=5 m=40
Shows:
h=4 m=40
